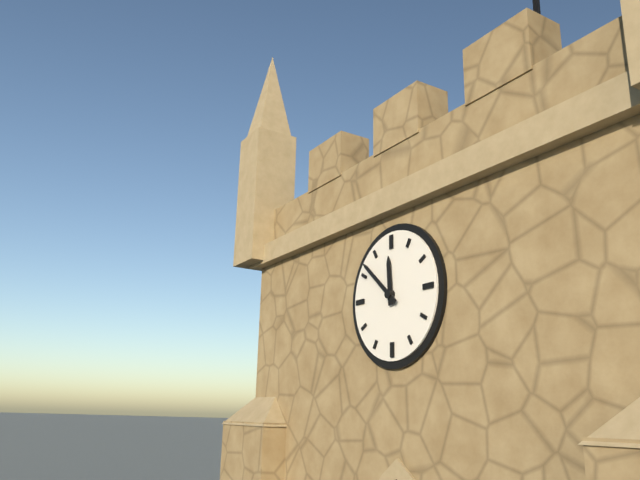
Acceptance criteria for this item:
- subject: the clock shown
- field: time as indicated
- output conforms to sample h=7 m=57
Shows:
h=11 m=52
